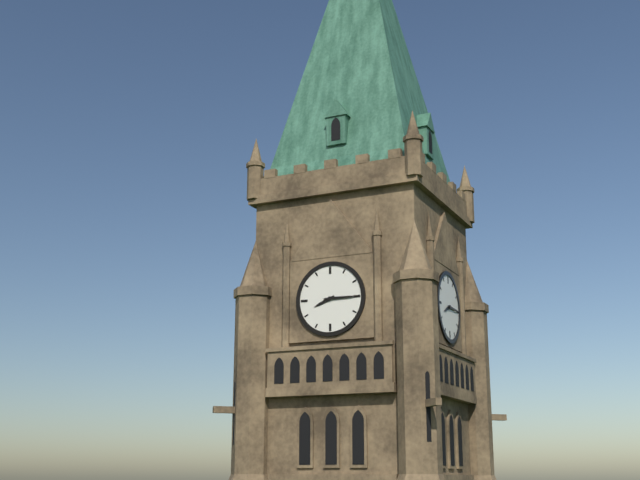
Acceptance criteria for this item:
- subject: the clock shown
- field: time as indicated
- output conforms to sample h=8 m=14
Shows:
h=8 m=15
